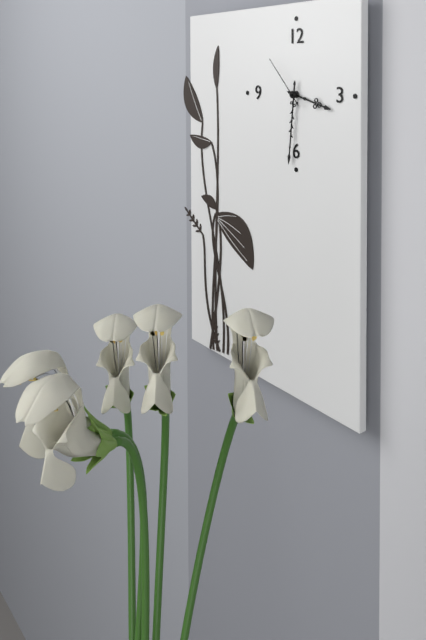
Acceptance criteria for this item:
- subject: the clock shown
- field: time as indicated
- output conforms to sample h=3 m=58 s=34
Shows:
h=3 m=31 s=53
